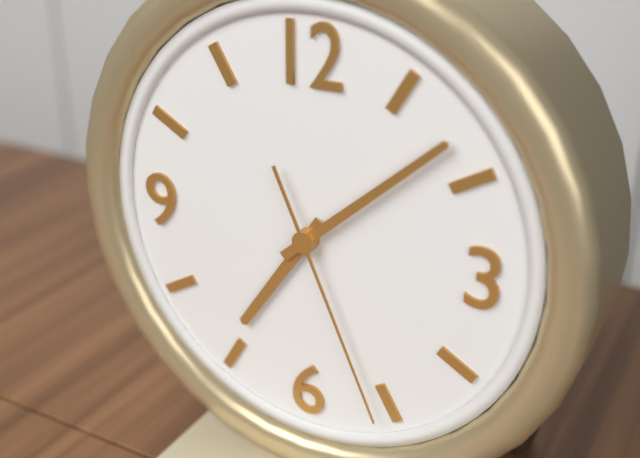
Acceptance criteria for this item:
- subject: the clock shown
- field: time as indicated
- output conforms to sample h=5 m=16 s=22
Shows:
h=7 m=8 s=26
